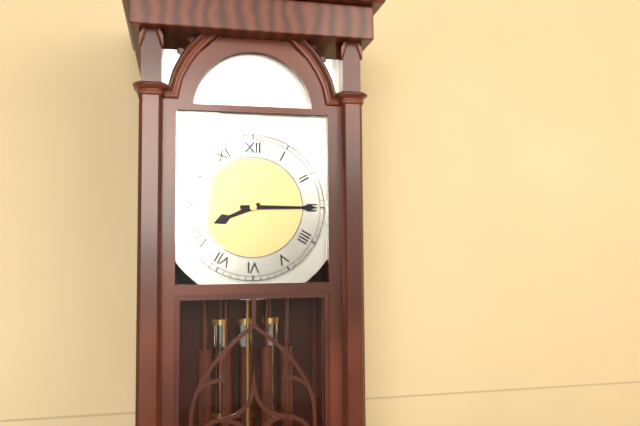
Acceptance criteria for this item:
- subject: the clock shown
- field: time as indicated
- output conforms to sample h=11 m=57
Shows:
h=8 m=15
